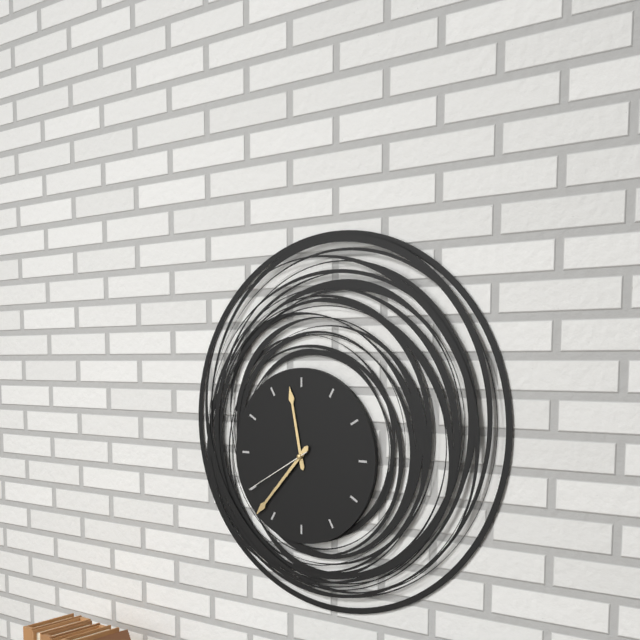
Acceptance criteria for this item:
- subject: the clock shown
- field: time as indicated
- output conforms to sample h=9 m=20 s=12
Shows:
h=11 m=37 s=40
